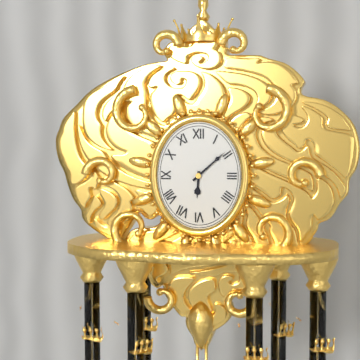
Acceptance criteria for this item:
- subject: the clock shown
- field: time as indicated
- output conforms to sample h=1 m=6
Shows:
h=6 m=8
